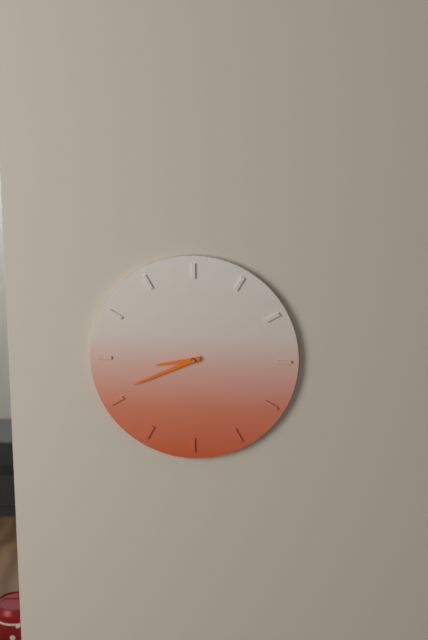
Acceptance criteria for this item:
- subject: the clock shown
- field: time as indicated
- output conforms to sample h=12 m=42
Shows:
h=8 m=41
